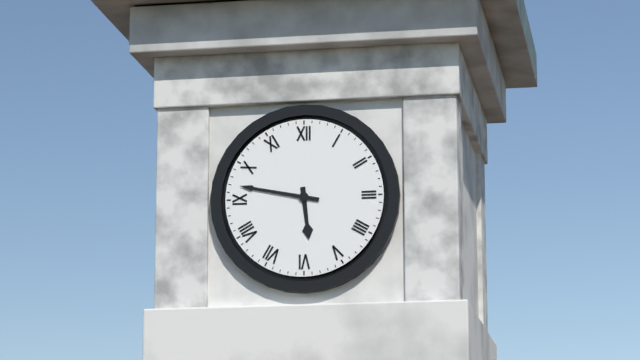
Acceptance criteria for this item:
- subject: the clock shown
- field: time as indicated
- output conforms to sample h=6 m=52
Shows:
h=5 m=47
